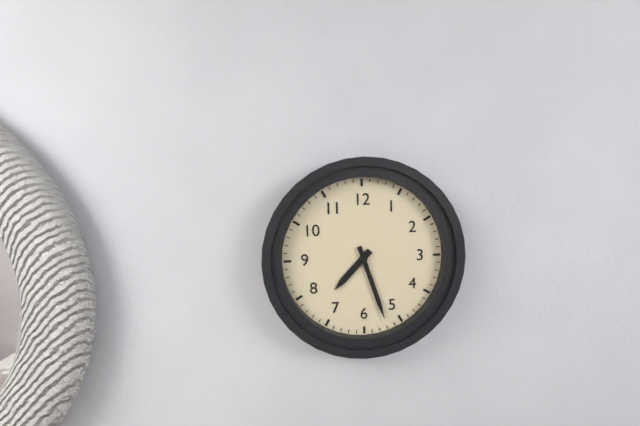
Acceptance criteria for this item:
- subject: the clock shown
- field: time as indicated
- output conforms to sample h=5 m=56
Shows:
h=7 m=27
